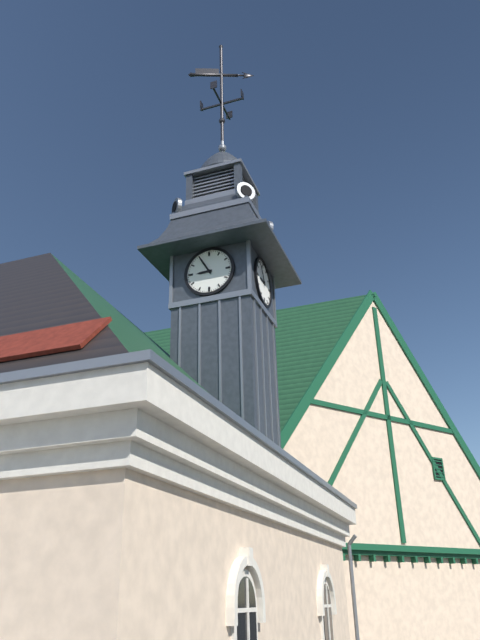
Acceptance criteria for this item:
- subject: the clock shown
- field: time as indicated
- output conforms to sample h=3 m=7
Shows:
h=8 m=55
